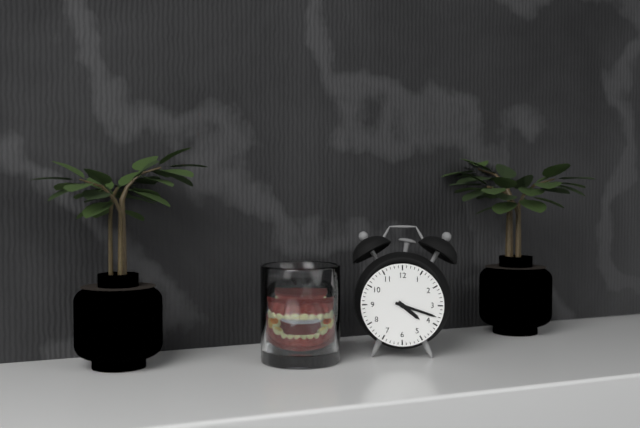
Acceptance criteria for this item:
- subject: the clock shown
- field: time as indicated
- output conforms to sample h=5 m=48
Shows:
h=4 m=18
